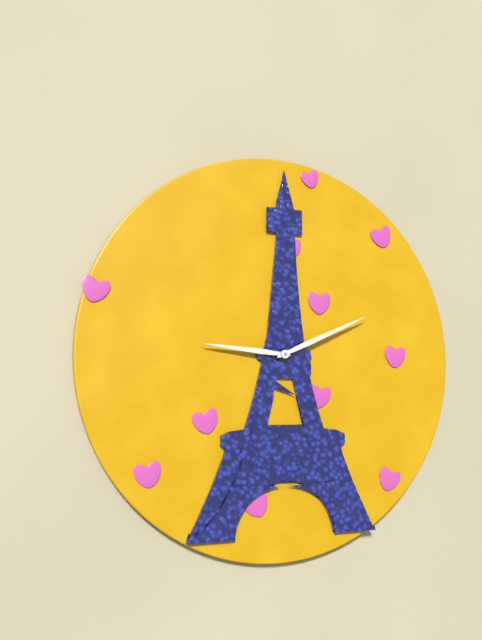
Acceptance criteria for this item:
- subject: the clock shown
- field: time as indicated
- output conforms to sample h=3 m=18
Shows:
h=9 m=11
